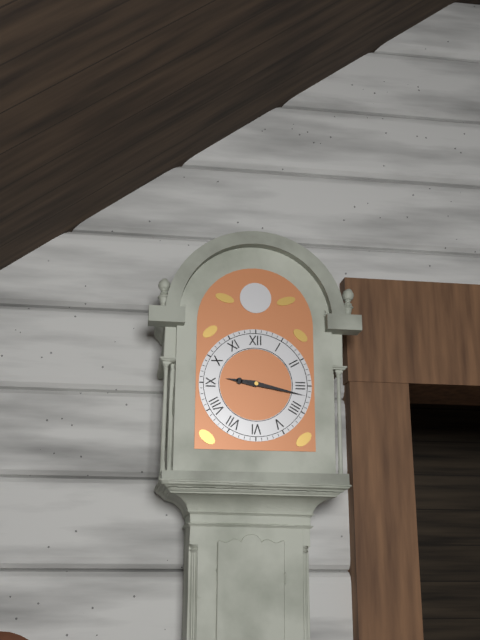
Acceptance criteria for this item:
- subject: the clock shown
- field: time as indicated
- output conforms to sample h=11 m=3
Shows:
h=9 m=17
